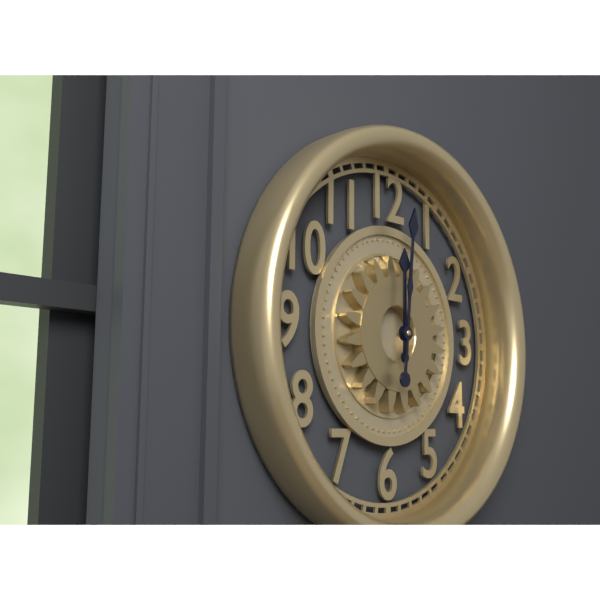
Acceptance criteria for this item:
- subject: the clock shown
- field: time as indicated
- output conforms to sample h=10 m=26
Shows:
h=12 m=1
